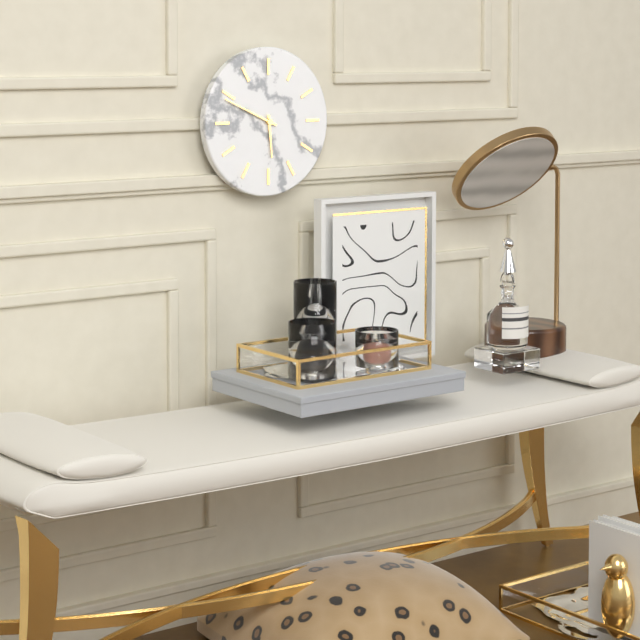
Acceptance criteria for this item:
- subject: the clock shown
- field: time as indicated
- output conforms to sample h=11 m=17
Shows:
h=5 m=49
